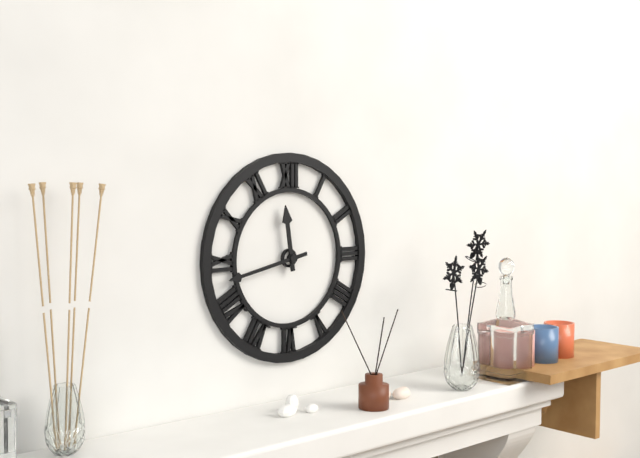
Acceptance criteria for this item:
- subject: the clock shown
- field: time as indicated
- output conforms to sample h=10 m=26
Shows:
h=11 m=43
